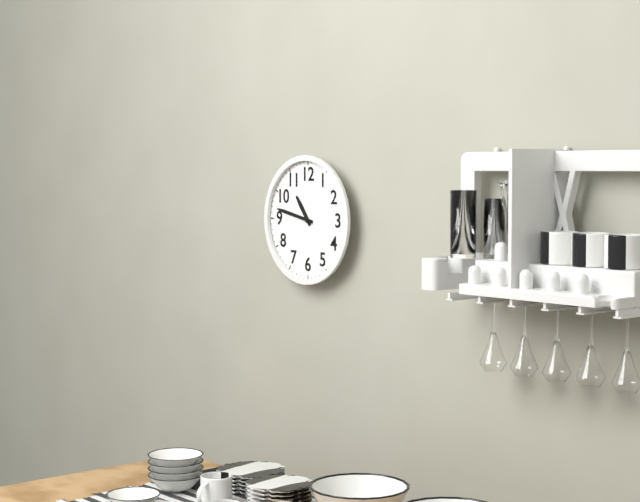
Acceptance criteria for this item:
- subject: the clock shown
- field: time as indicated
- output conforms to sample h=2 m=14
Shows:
h=10 m=47
